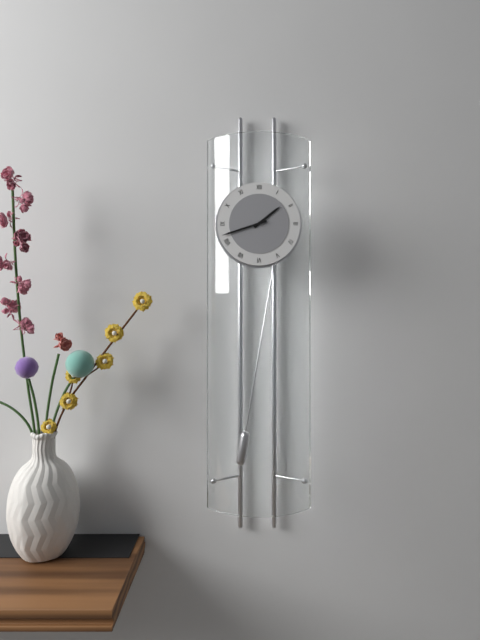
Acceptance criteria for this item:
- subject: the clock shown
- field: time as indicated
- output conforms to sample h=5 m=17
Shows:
h=1 m=42
